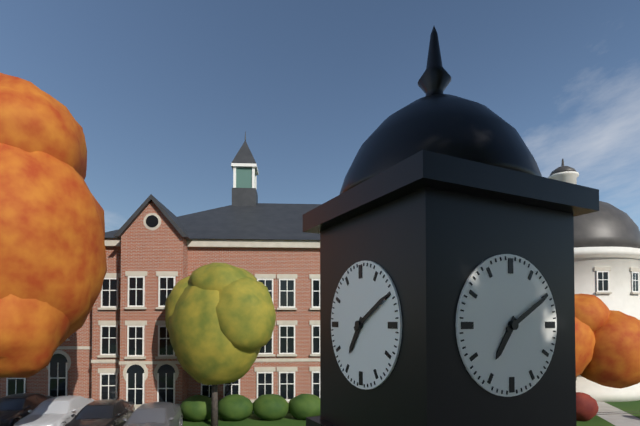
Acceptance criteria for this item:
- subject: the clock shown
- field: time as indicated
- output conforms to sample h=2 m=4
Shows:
h=7 m=10
